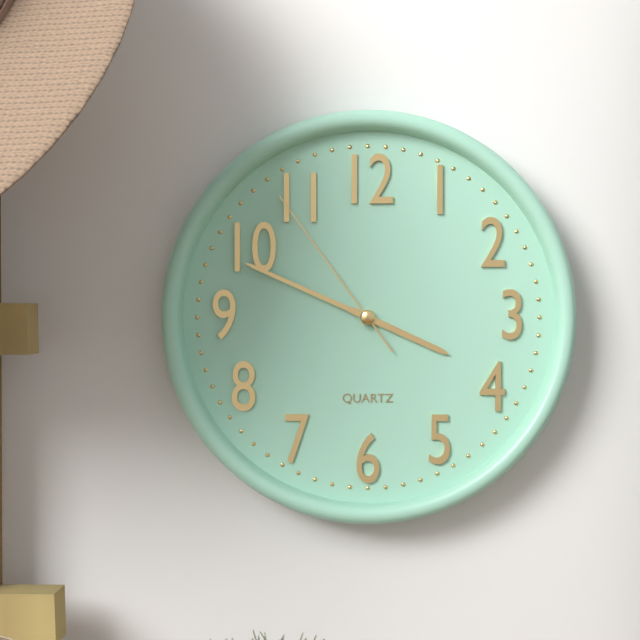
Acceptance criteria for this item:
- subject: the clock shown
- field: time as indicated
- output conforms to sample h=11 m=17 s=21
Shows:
h=3 m=49 s=54
